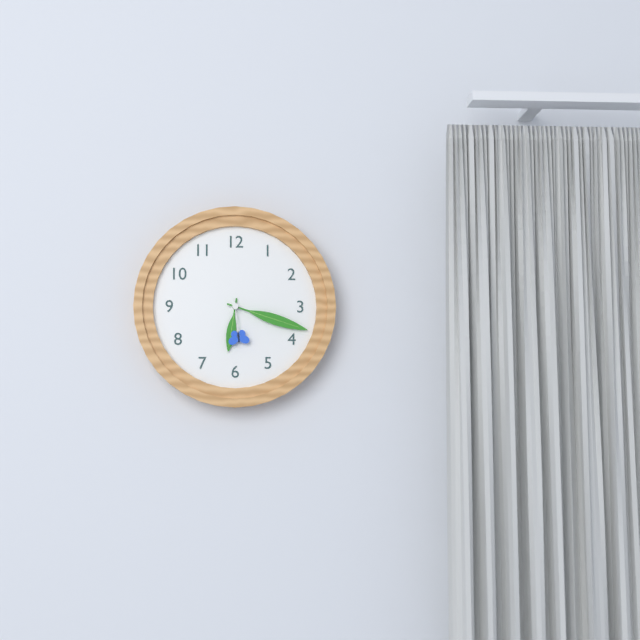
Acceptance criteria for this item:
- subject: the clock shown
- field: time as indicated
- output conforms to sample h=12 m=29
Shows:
h=6 m=18
